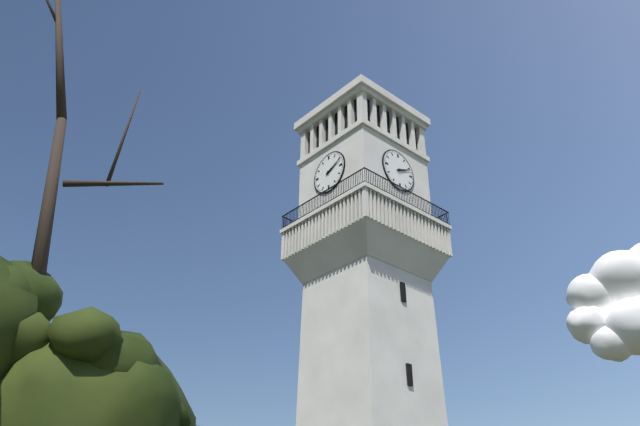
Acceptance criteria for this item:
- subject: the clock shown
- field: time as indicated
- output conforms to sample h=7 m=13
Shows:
h=2 m=11
